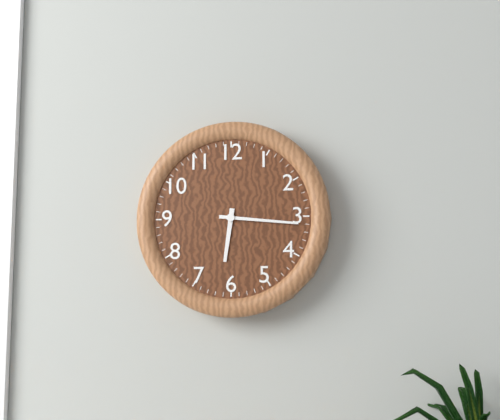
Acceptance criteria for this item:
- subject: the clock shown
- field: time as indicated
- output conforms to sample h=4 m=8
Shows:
h=6 m=16
